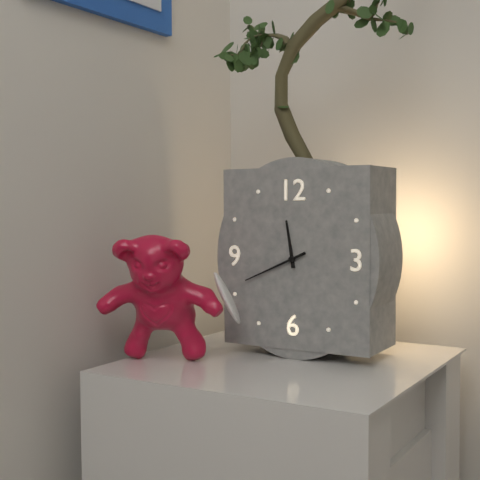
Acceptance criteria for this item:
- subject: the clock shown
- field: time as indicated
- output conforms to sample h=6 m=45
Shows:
h=11 m=41
